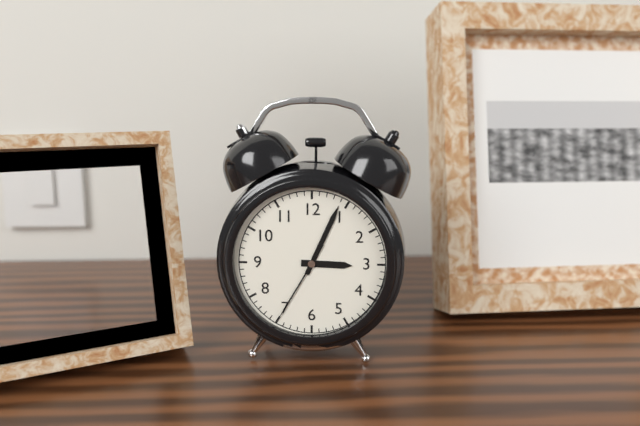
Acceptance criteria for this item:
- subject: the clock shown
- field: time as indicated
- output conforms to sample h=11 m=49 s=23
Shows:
h=3 m=4 s=35
